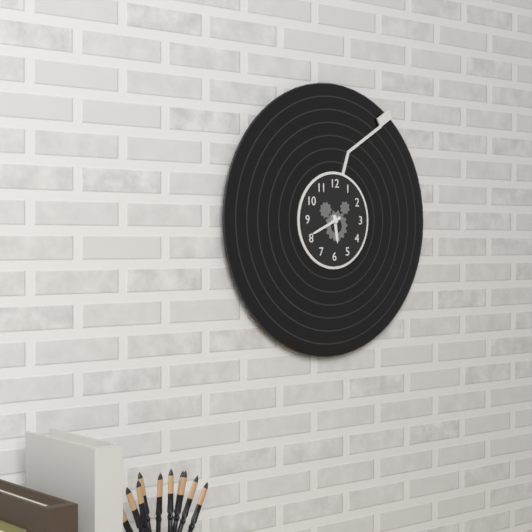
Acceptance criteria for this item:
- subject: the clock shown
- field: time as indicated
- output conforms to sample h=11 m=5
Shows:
h=5 m=41
